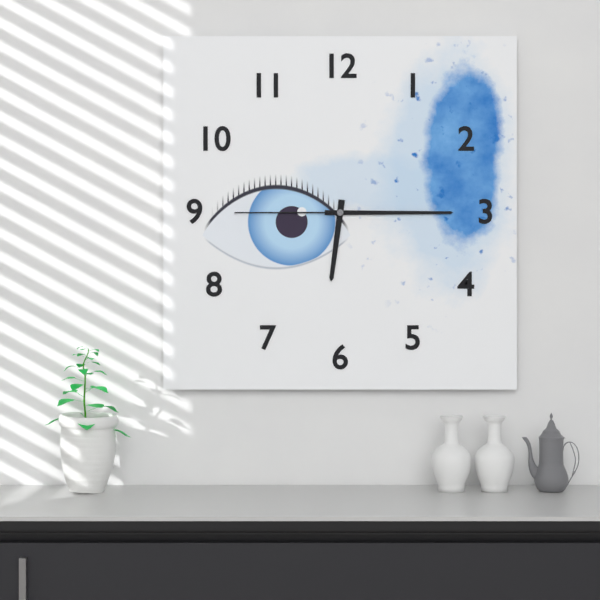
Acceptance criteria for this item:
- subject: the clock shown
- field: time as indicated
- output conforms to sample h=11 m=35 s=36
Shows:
h=6 m=15 s=45
